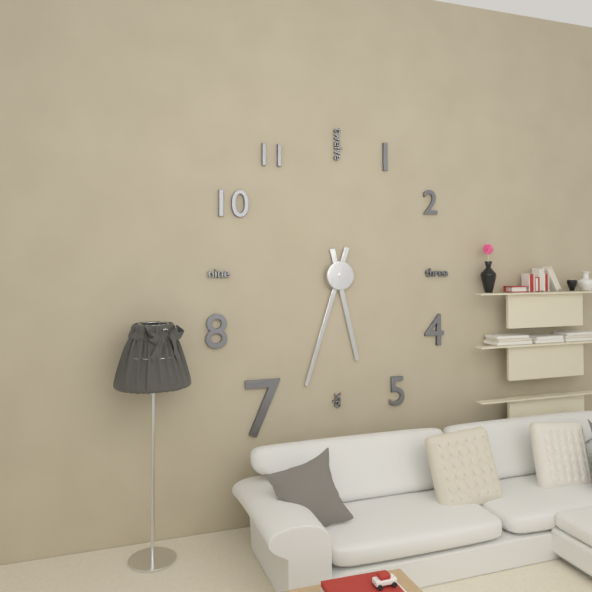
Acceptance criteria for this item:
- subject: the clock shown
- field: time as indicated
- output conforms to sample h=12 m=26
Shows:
h=5 m=33
